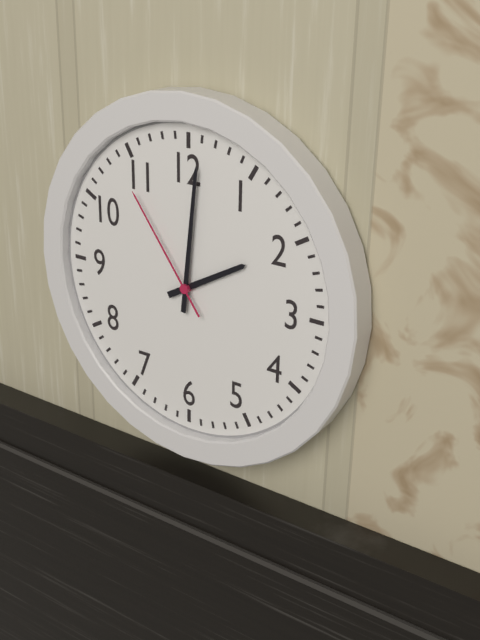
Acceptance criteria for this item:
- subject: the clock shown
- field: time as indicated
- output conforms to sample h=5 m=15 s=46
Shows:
h=2 m=1 s=54
